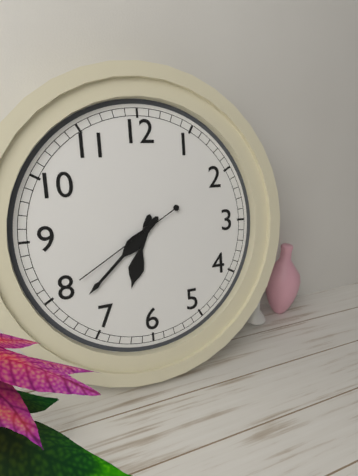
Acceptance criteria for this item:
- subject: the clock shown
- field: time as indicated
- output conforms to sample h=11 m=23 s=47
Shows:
h=6 m=38 s=40
